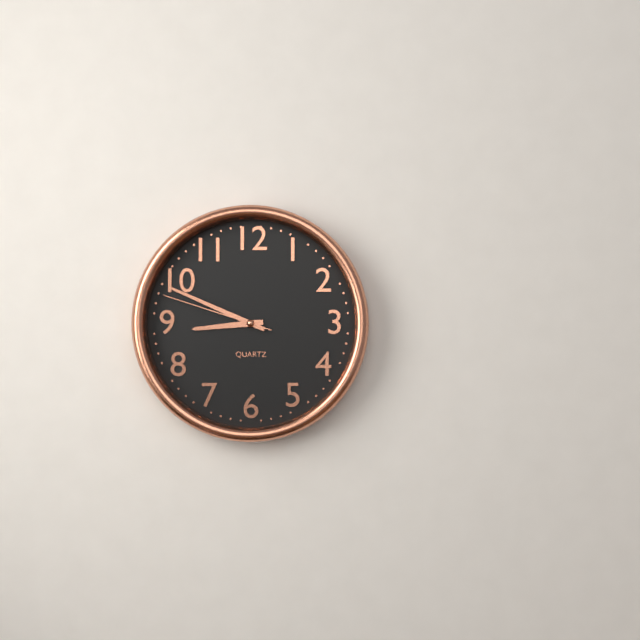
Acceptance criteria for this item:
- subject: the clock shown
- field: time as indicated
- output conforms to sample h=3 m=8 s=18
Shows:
h=8 m=49 s=48
